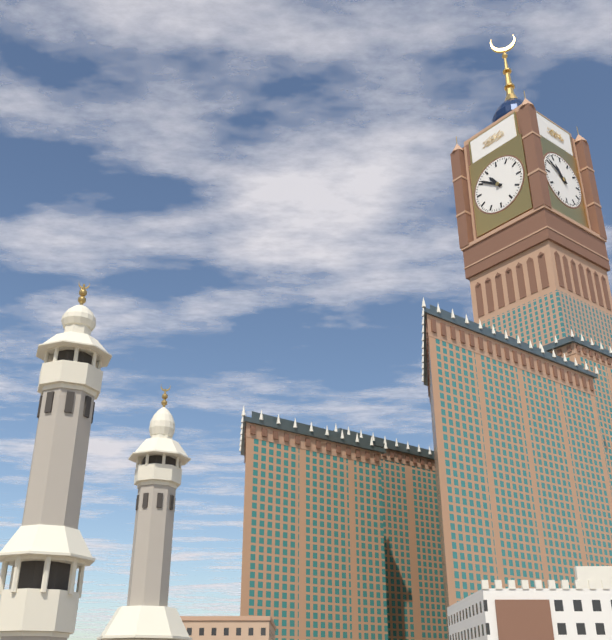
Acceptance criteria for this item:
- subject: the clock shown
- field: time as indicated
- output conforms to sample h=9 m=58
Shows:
h=10 m=51
